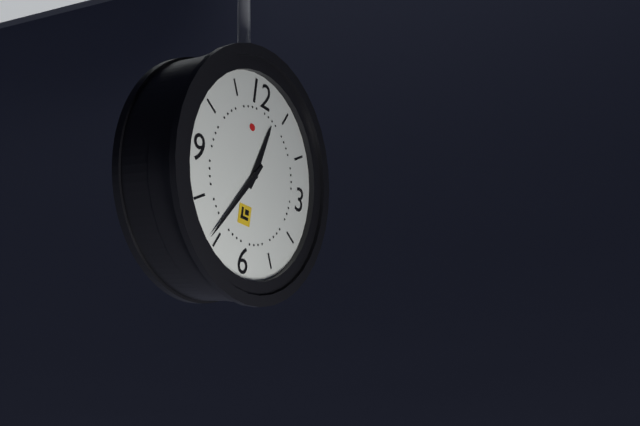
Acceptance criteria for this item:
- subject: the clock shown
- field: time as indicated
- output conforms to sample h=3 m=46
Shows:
h=12 m=36
